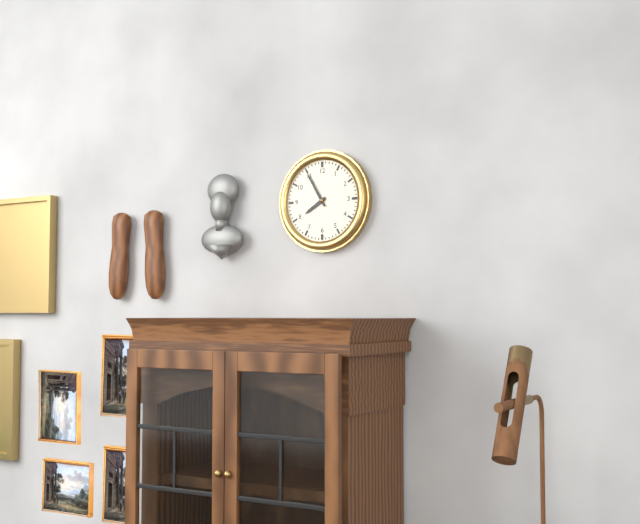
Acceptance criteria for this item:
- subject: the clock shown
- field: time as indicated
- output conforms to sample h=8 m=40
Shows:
h=7 m=55
